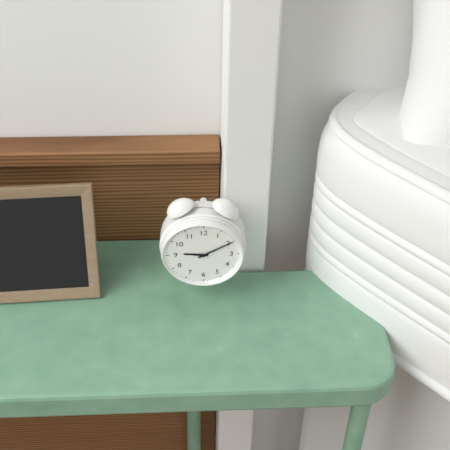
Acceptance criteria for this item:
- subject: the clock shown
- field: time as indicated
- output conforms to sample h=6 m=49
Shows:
h=9 m=10
